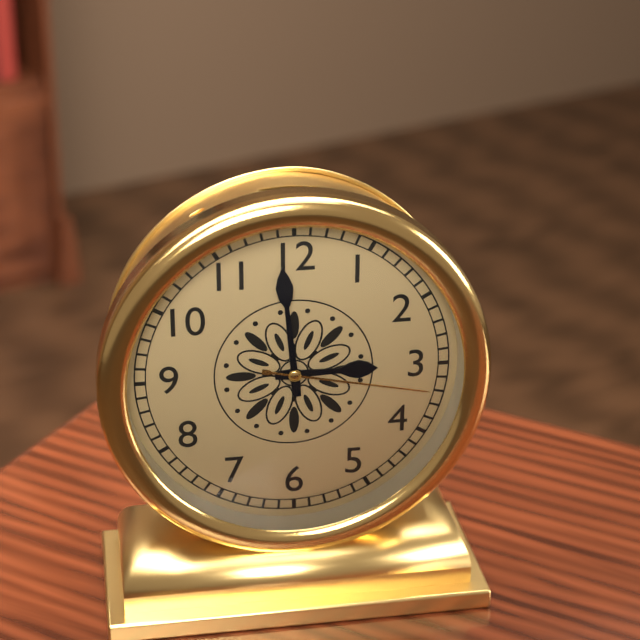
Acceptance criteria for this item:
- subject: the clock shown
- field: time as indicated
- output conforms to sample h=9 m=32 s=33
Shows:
h=2 m=59 s=17
